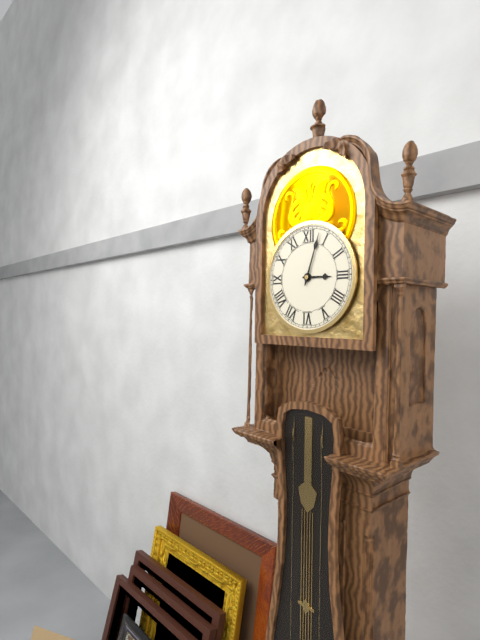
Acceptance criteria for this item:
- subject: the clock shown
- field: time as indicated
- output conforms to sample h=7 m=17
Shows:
h=3 m=3
